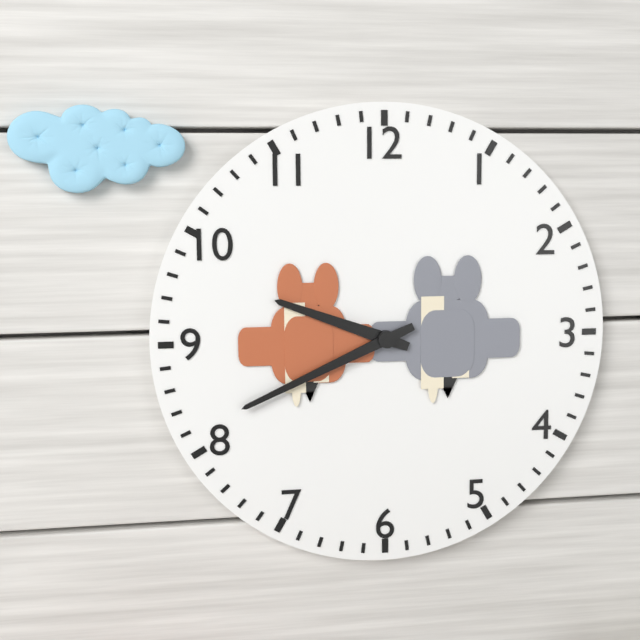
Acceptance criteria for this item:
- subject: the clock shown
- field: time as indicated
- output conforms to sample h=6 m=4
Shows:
h=9 m=41
